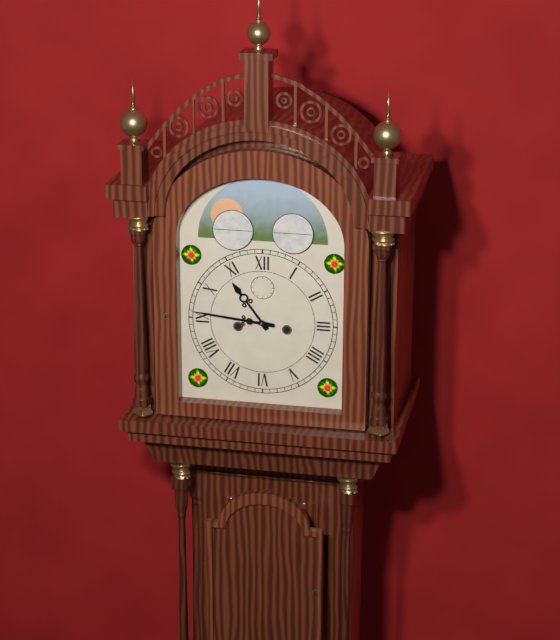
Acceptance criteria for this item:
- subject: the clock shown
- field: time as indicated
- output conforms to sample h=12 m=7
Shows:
h=10 m=46
